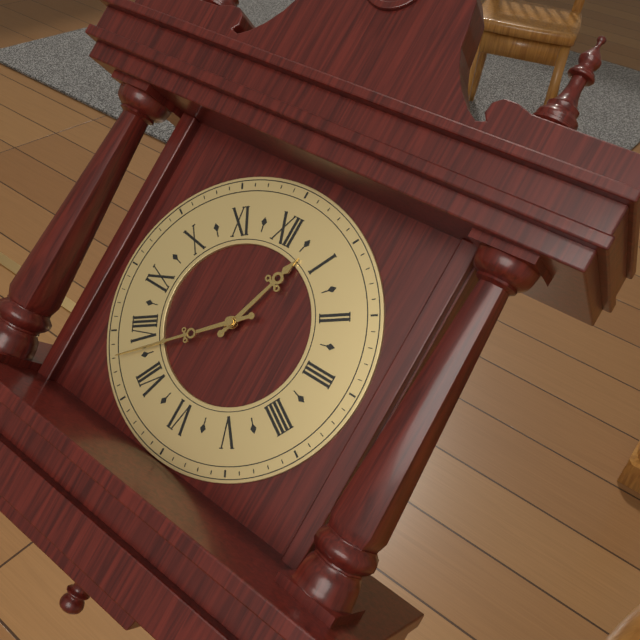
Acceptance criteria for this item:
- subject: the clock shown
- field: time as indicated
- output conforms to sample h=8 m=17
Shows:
h=12 m=38
